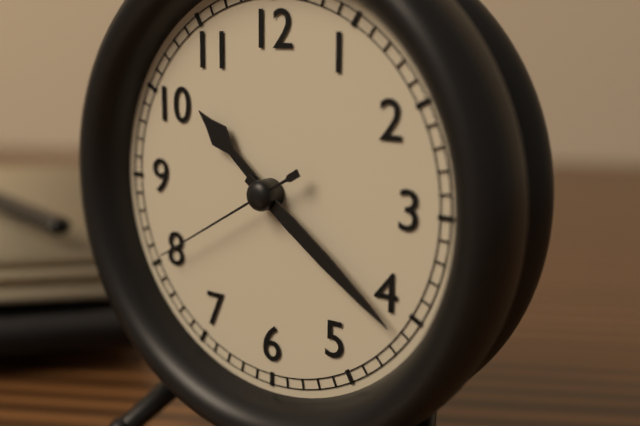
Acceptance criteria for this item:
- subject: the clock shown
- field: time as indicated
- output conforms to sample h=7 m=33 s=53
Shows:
h=10 m=21 s=40
